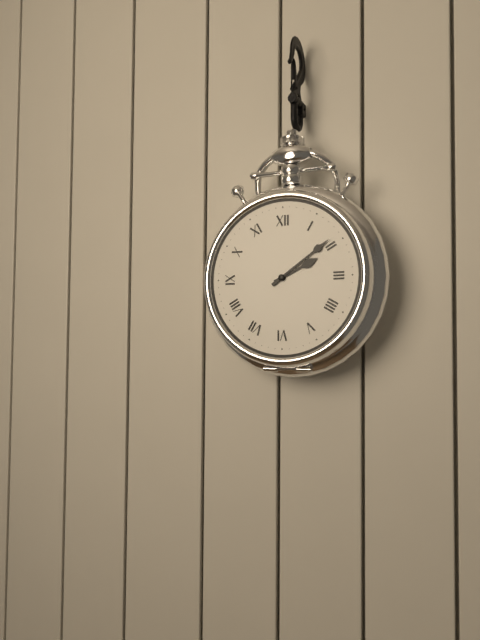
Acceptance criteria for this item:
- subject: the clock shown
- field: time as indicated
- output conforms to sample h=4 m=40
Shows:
h=2 m=9
